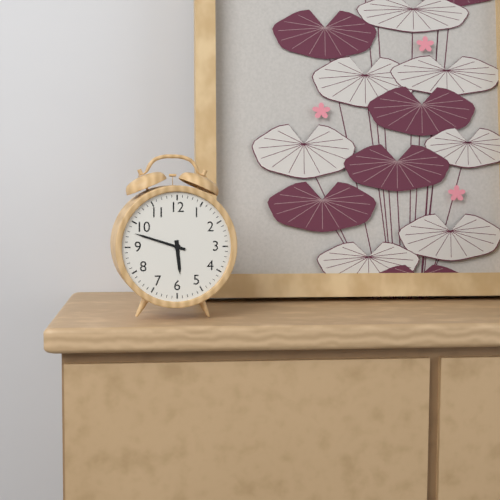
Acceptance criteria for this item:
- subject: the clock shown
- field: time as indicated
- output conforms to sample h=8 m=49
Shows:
h=5 m=48
